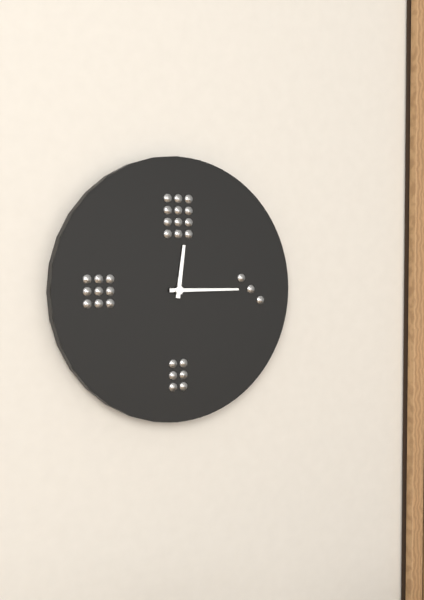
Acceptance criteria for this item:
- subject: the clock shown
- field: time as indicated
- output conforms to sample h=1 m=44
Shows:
h=12 m=15
